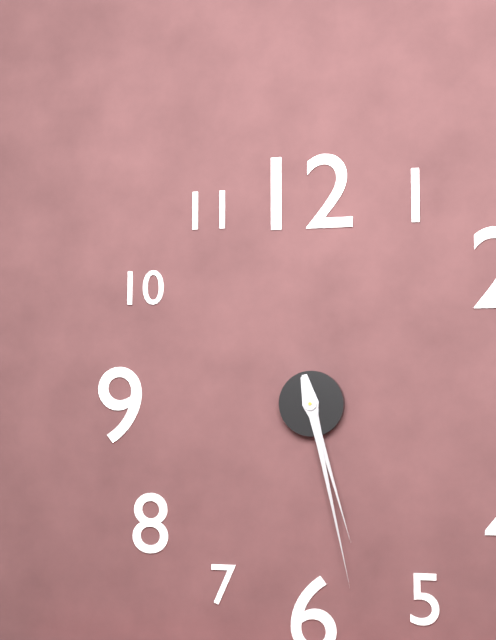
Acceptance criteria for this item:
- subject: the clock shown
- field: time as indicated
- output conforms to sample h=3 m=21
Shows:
h=5 m=28
